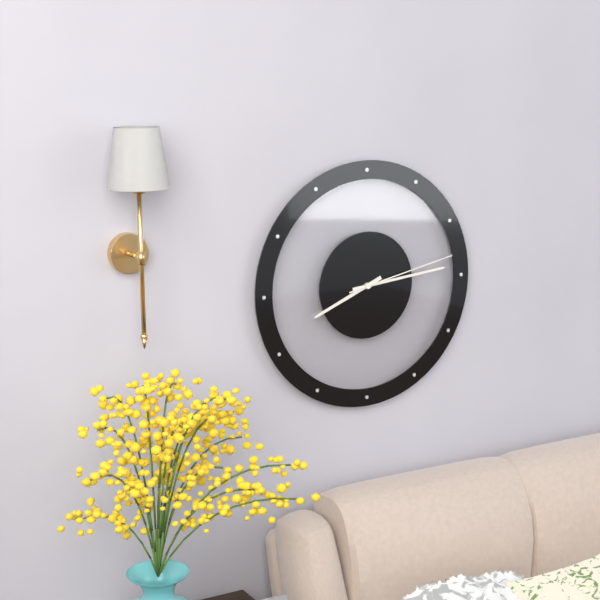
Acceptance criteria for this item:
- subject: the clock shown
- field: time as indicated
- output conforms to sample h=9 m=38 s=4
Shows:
h=8 m=14 s=13
